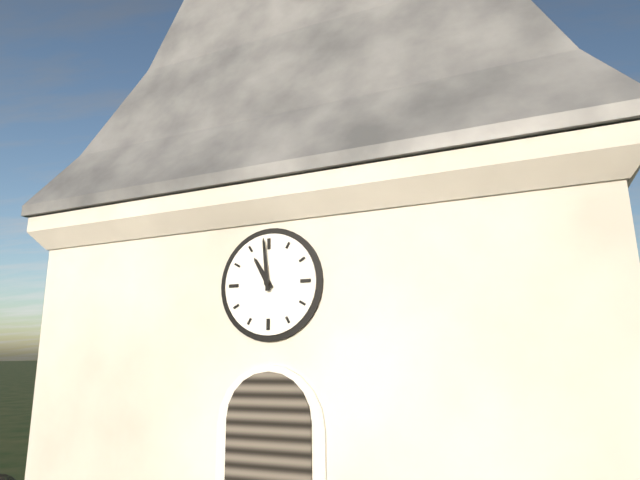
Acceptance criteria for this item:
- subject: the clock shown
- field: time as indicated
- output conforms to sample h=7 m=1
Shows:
h=10 m=59
